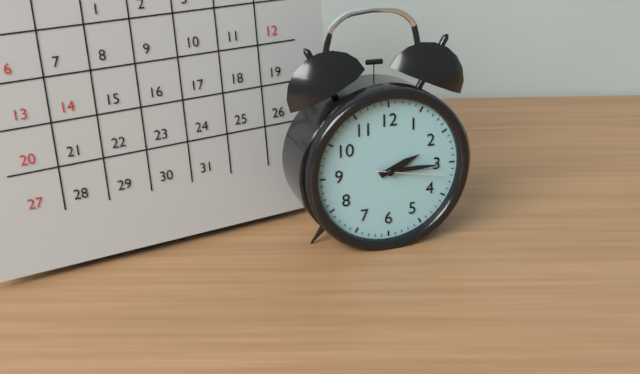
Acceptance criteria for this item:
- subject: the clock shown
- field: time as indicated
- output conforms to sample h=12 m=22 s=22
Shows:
h=2 m=15 s=17
